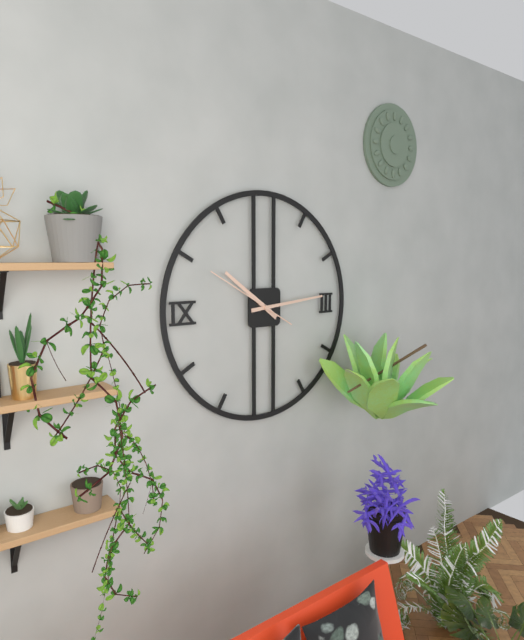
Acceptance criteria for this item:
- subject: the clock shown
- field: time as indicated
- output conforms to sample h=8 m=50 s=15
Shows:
h=10 m=14 s=50
